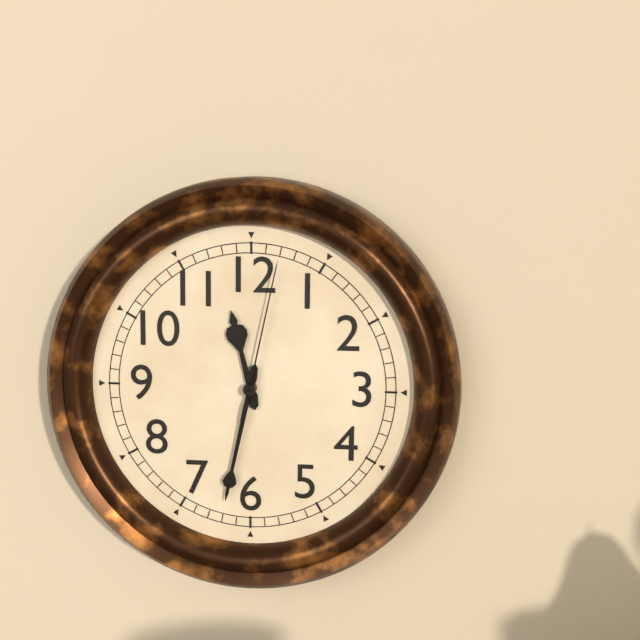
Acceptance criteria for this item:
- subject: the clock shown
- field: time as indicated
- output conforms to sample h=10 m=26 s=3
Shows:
h=11 m=32 s=2
